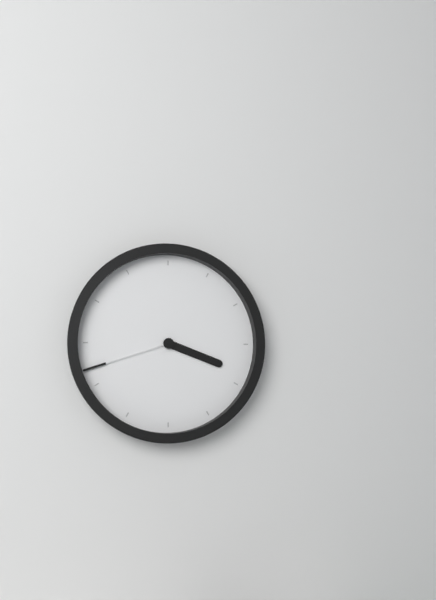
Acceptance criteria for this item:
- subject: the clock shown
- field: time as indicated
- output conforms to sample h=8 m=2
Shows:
h=3 m=42
